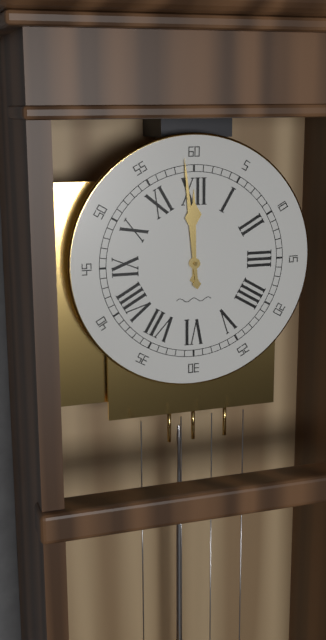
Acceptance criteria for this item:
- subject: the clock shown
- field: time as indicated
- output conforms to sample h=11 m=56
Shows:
h=11 m=59
